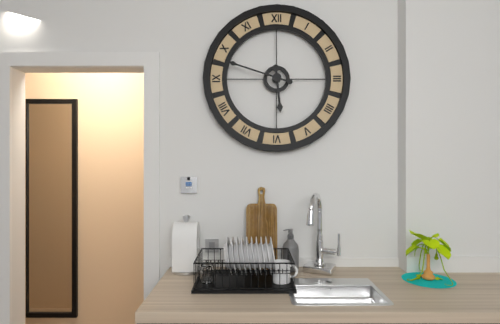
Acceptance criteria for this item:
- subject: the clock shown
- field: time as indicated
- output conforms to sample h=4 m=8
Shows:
h=5 m=48
